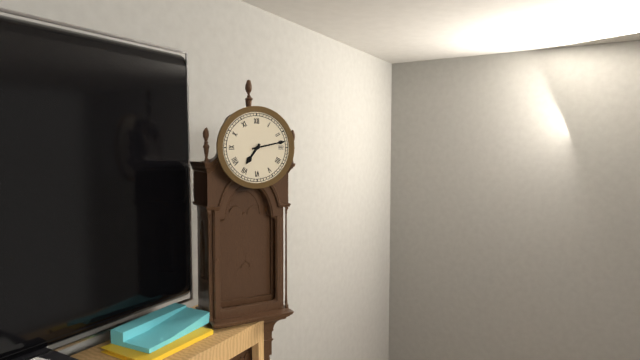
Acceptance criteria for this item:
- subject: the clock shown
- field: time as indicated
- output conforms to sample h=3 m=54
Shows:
h=7 m=13
